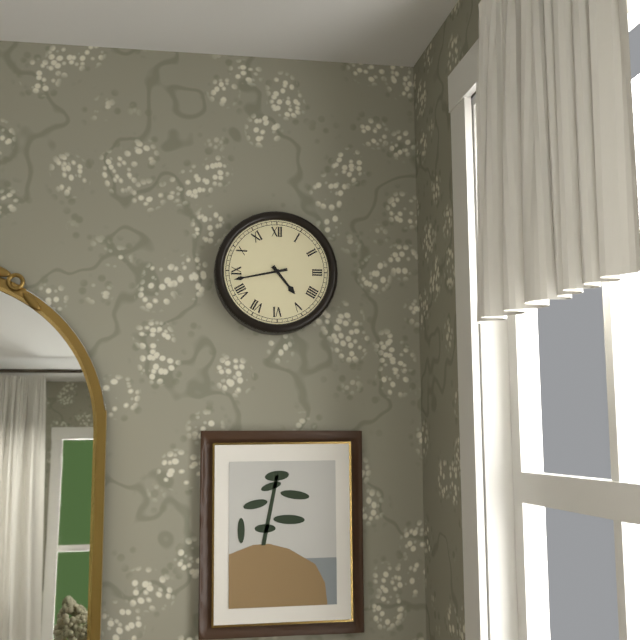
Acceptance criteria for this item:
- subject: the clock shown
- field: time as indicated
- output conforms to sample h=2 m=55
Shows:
h=4 m=43
